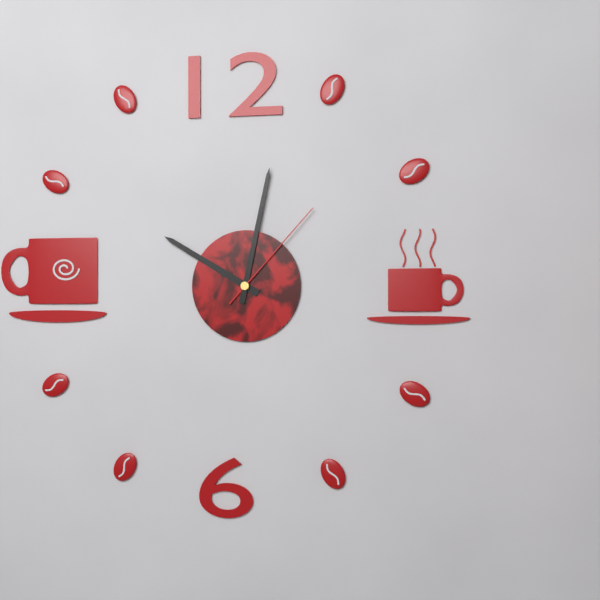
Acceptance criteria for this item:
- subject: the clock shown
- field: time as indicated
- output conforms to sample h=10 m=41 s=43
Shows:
h=10 m=2 s=7
